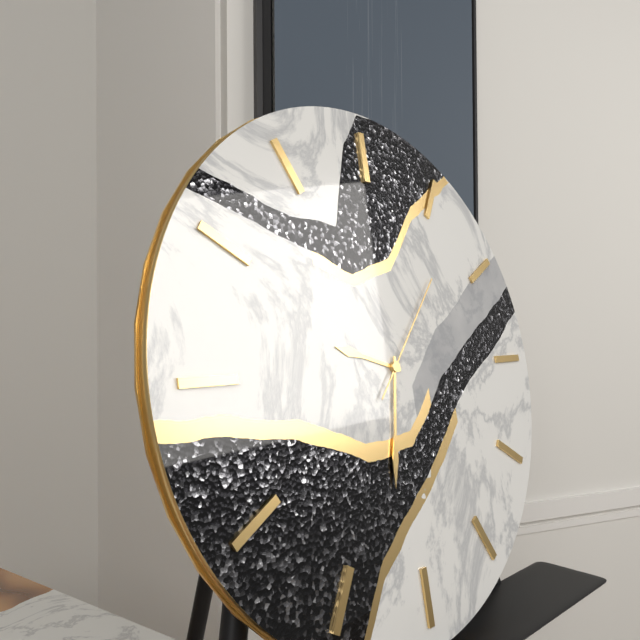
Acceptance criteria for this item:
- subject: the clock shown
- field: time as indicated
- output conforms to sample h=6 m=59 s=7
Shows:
h=9 m=32 s=7
